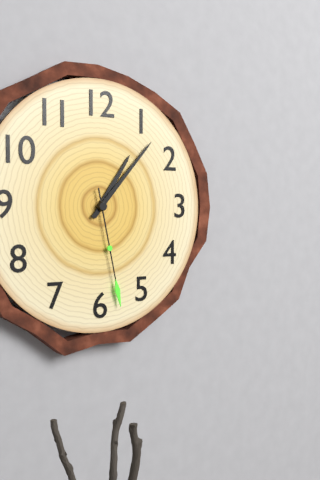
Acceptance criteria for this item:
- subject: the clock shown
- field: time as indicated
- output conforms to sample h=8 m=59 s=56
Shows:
h=1 m=7 s=28
